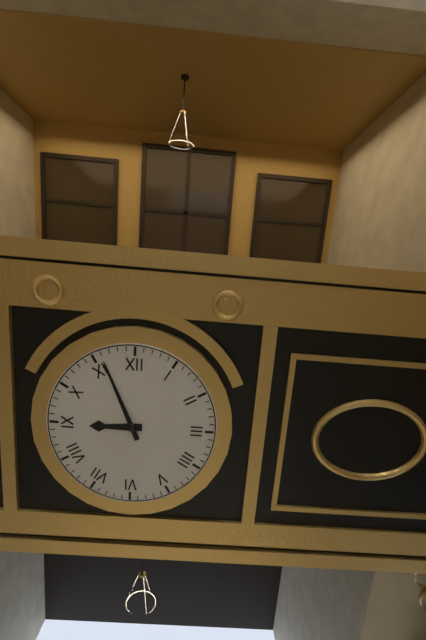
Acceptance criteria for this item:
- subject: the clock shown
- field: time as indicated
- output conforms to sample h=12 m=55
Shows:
h=8 m=56
